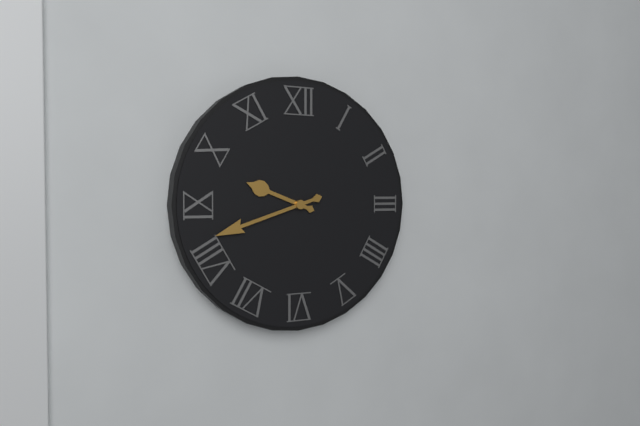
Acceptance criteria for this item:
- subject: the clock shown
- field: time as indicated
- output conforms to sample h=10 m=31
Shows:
h=9 m=42
